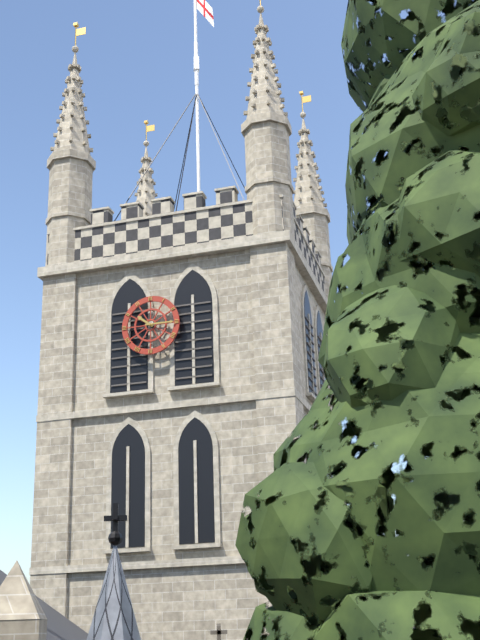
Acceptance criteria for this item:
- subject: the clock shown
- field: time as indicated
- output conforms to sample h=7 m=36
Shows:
h=10 m=15
